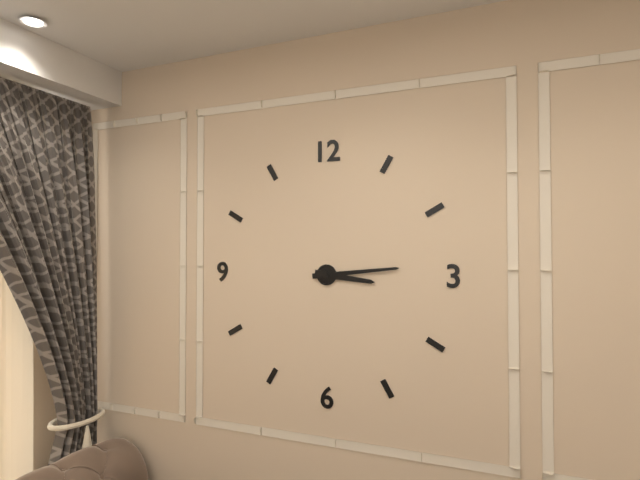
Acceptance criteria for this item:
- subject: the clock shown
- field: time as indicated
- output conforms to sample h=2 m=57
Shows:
h=3 m=14
